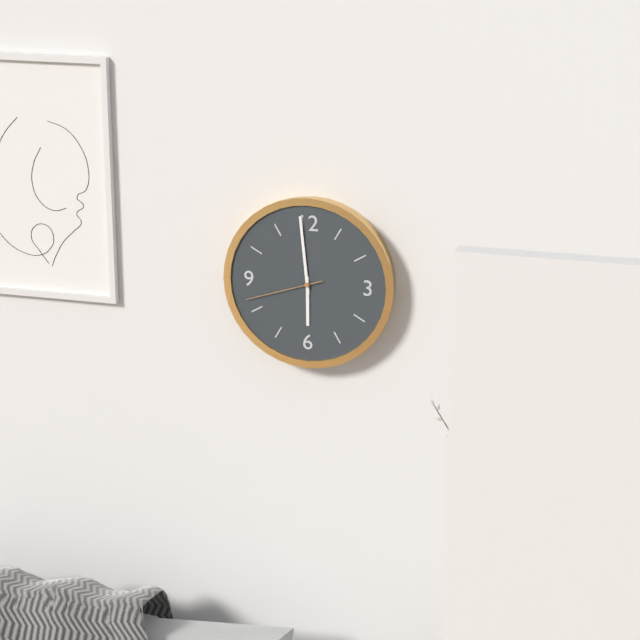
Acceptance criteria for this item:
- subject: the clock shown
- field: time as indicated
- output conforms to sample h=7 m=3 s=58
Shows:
h=5 m=59 s=42
